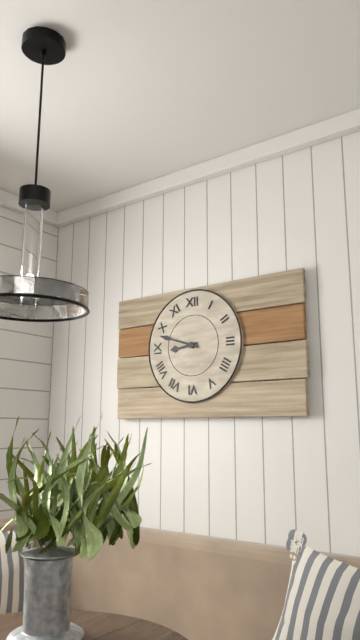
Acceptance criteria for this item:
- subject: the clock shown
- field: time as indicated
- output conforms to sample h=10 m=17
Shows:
h=8 m=48
